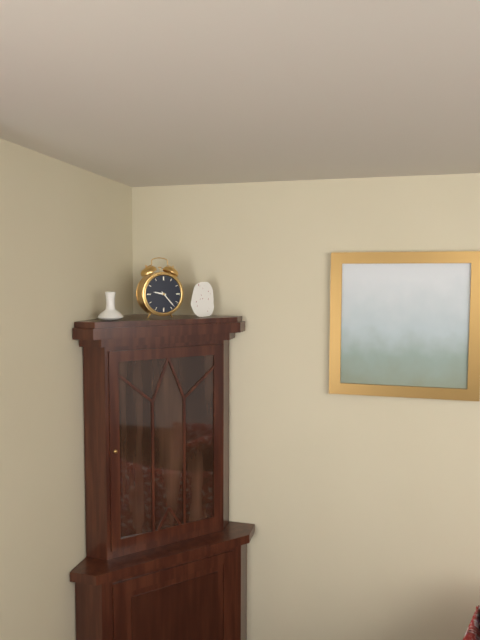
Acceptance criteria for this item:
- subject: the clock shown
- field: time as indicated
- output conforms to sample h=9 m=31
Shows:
h=9 m=23
